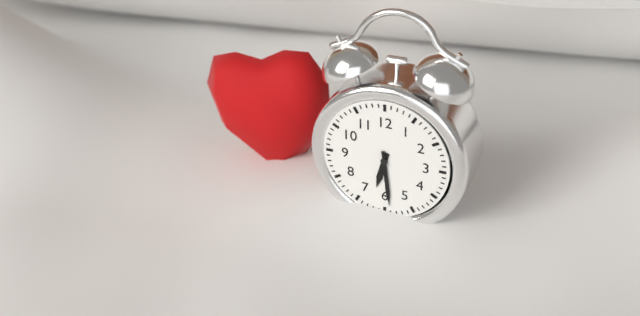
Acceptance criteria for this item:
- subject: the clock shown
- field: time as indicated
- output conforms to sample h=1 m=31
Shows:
h=6 m=29
